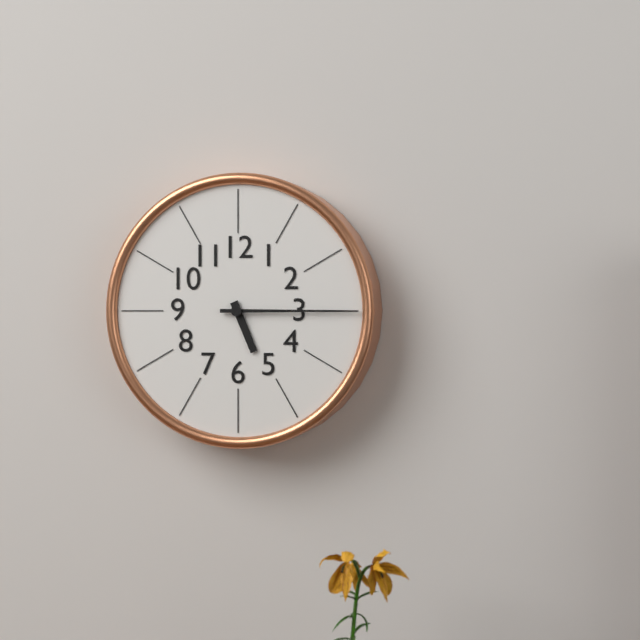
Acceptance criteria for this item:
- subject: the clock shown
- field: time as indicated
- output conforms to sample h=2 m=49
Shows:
h=5 m=15
